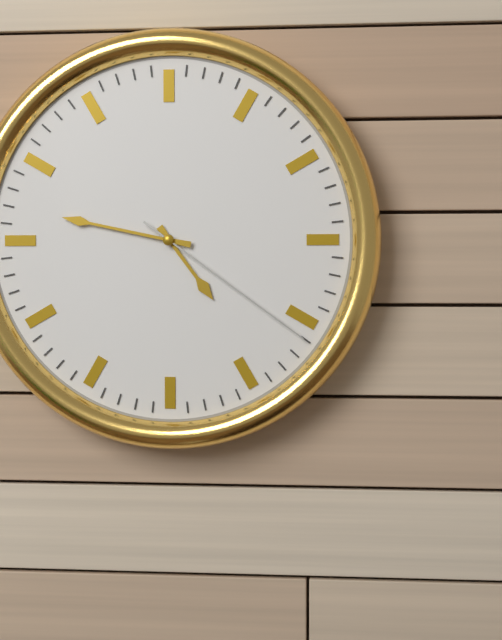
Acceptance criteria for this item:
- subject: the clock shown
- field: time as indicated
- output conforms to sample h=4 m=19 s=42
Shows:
h=4 m=47 s=21
